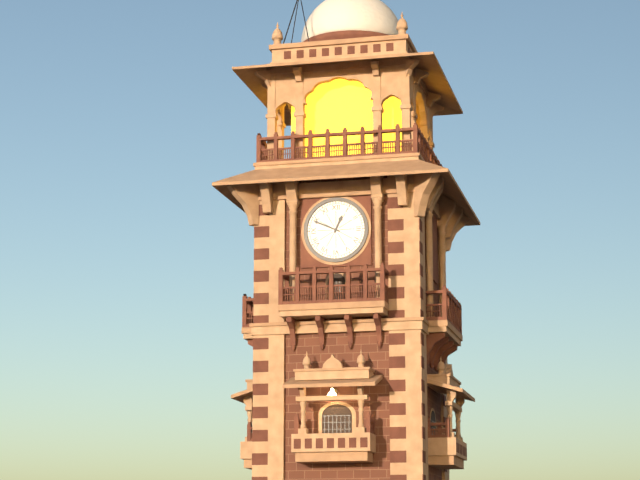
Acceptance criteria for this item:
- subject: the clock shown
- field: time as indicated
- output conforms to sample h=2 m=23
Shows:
h=12 m=49
